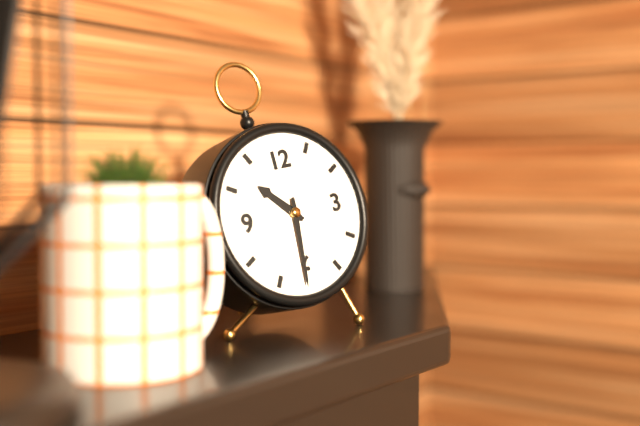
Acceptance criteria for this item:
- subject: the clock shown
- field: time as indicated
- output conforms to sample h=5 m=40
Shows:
h=10 m=31
